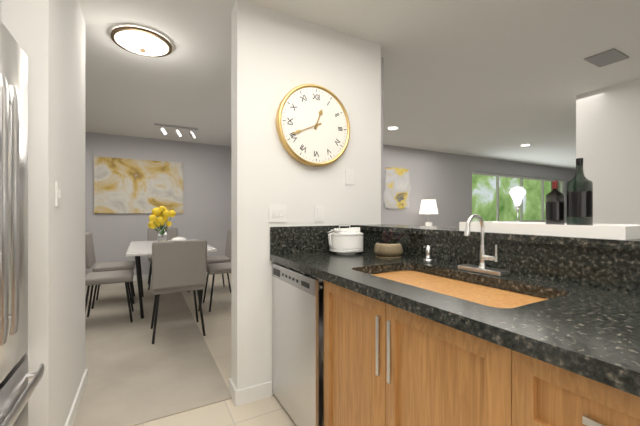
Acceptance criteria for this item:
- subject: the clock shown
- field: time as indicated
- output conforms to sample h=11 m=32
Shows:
h=12 m=41
